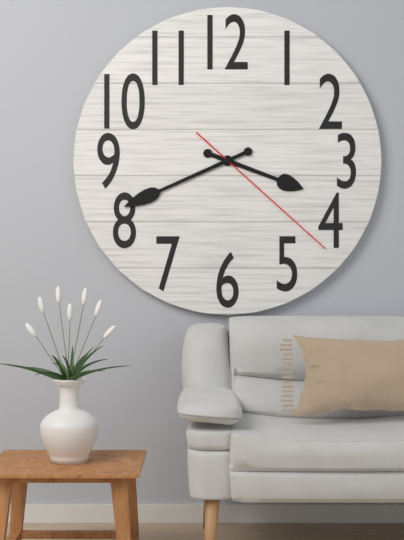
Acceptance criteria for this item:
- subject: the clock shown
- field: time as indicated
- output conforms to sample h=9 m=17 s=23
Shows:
h=3 m=41 s=22
